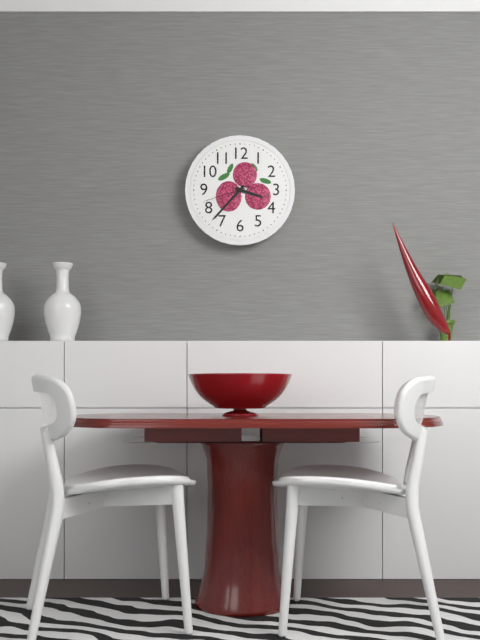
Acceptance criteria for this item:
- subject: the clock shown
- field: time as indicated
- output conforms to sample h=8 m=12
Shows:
h=3 m=37
